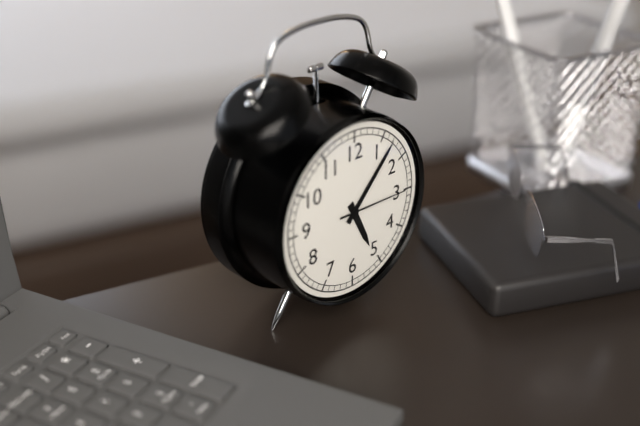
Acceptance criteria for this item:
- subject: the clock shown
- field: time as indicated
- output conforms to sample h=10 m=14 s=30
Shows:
h=5 m=7 s=15
